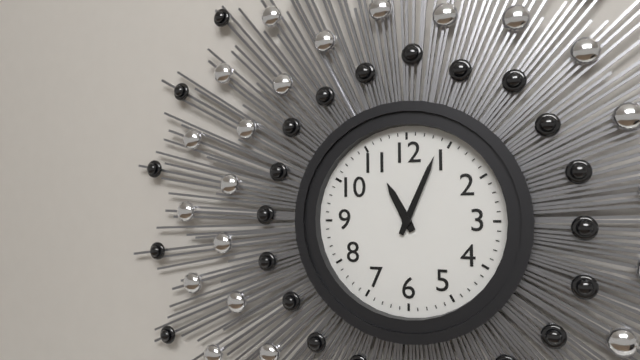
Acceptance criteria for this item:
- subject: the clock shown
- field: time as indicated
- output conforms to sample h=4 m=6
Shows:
h=11 m=4
